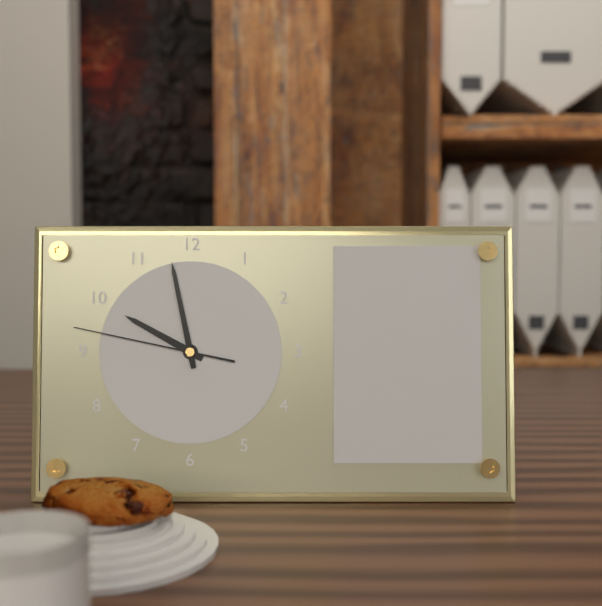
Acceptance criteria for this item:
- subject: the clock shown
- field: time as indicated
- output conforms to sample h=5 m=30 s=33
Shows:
h=9 m=58 s=47
